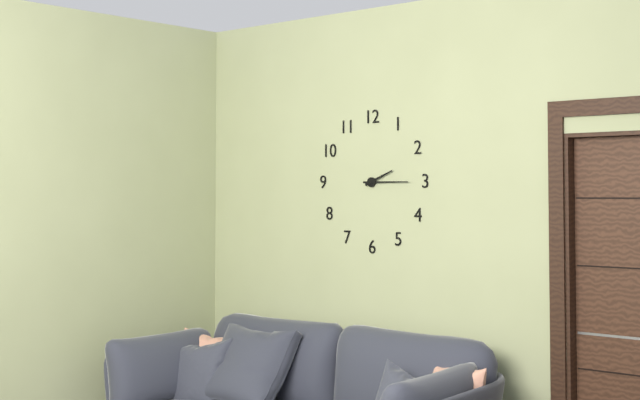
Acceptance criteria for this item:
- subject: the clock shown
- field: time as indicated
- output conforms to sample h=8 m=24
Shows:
h=2 m=15
